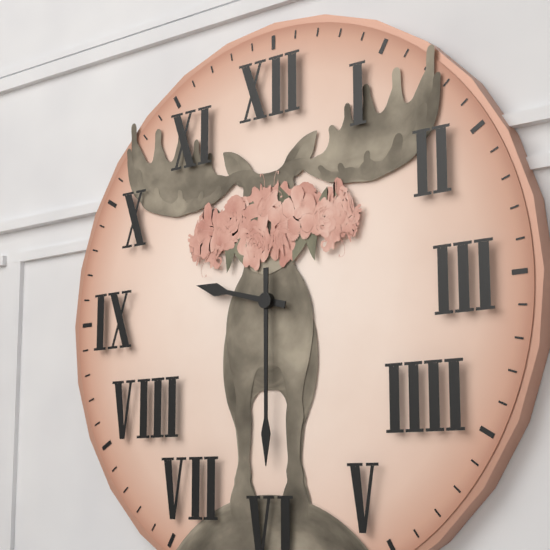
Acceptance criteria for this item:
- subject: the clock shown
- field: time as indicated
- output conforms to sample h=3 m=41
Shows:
h=9 m=30
